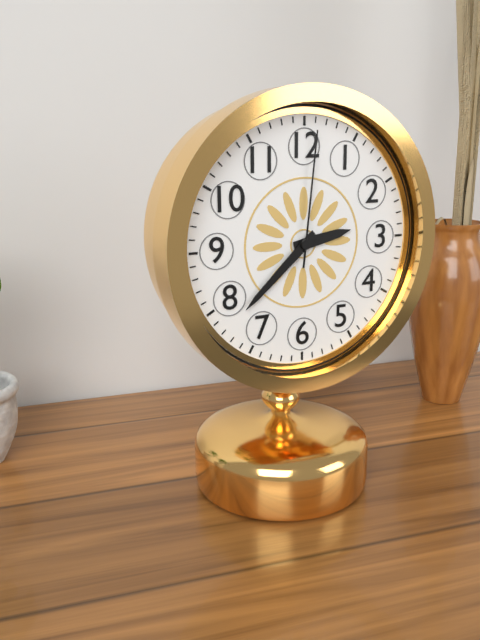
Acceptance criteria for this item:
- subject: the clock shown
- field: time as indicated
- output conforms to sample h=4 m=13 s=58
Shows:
h=2 m=38 s=1
